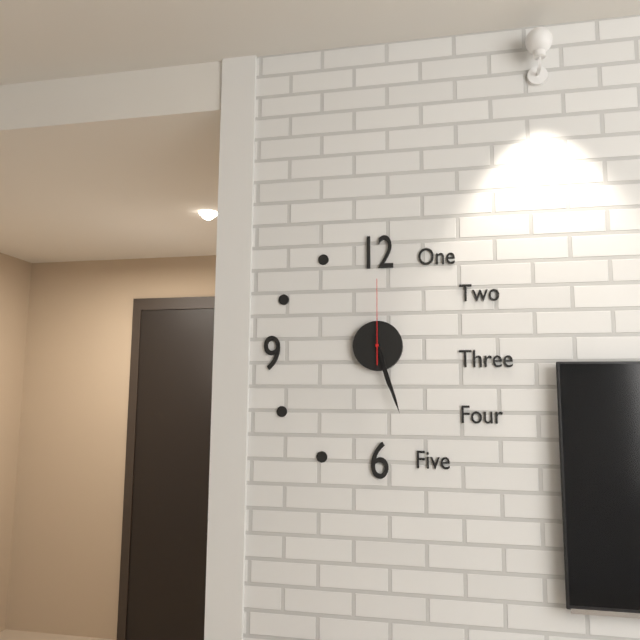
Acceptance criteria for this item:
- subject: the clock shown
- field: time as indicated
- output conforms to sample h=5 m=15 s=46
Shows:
h=5 m=27 s=0
